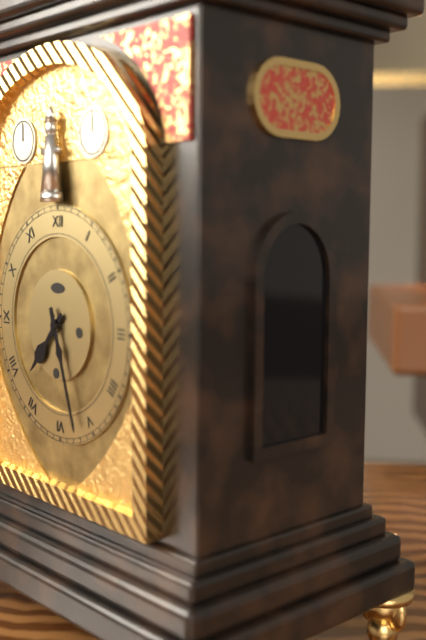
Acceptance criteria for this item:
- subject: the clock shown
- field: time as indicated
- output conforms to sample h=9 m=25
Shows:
h=7 m=27
